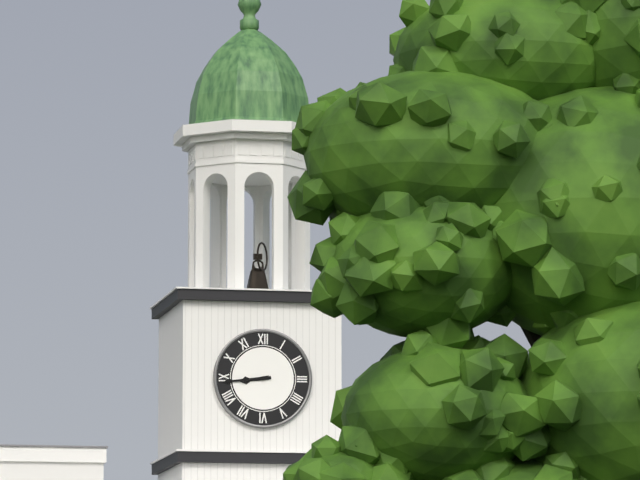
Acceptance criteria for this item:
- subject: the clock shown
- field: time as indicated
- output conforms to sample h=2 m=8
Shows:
h=8 m=44
